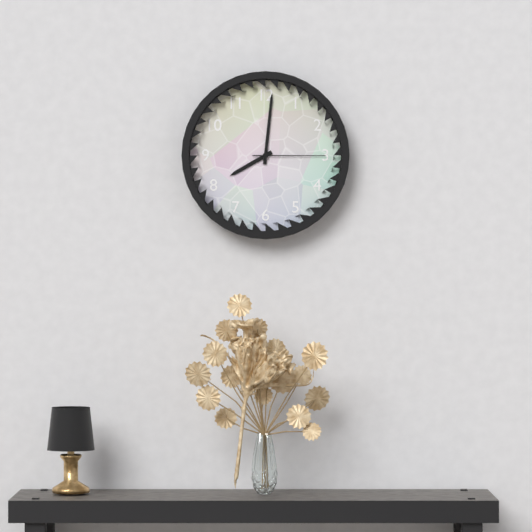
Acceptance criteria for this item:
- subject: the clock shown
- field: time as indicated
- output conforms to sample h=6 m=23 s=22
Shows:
h=8 m=1 s=15
